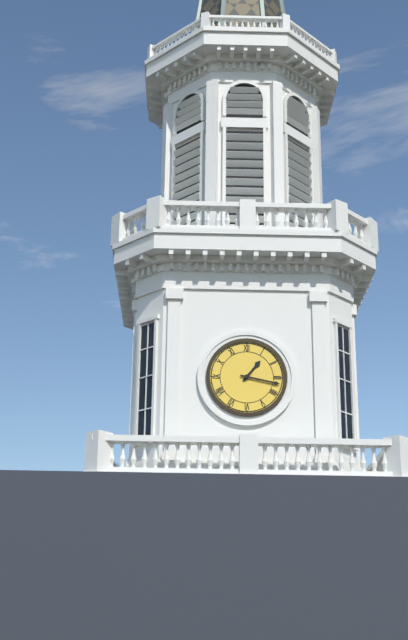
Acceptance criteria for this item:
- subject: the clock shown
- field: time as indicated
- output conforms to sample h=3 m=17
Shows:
h=1 m=17
